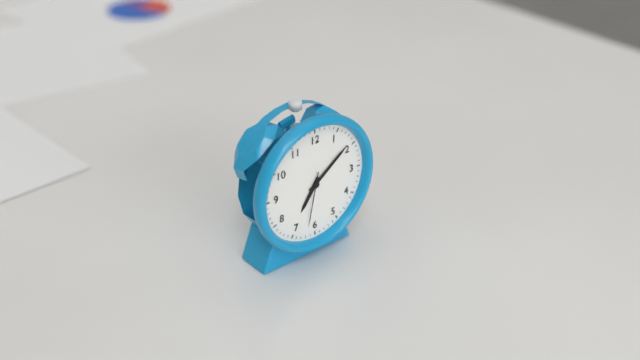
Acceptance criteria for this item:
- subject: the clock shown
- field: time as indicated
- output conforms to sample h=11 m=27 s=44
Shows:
h=7 m=9 s=32
